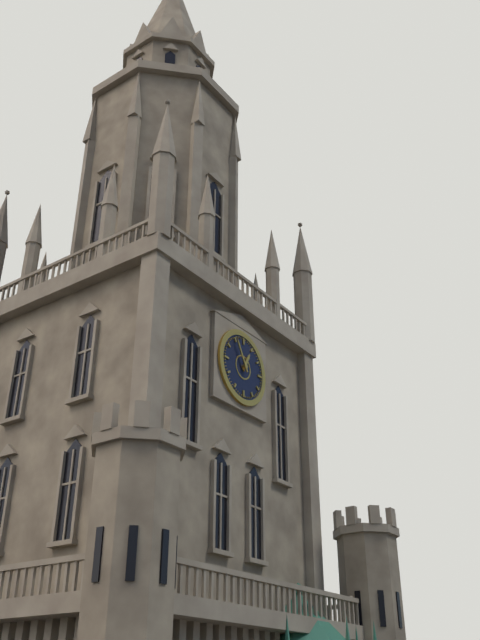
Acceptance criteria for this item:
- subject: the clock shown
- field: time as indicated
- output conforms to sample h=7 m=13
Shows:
h=12 m=55
